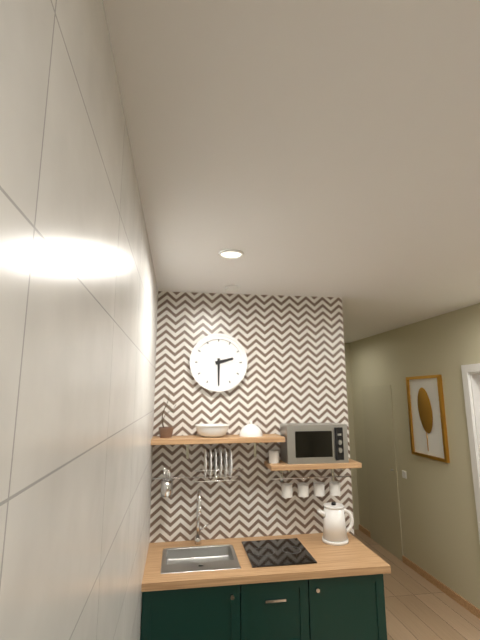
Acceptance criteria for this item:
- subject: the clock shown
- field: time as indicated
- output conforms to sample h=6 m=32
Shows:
h=2 m=30
